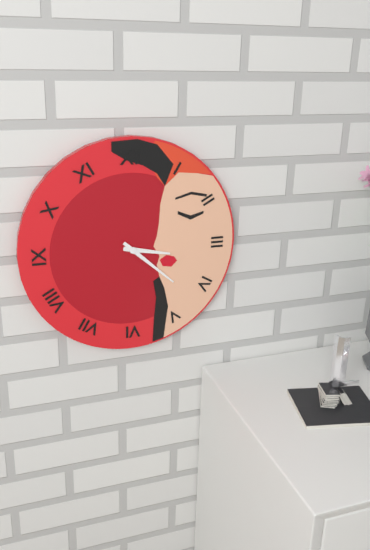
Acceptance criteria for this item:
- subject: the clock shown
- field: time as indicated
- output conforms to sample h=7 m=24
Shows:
h=3 m=22
